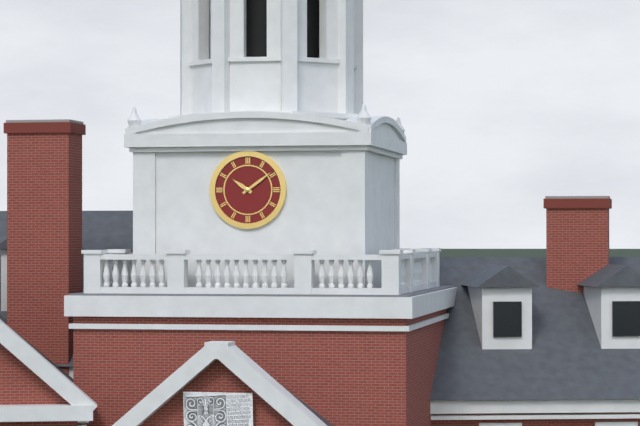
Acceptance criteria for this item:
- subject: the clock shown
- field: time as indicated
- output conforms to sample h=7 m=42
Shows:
h=10 m=9
